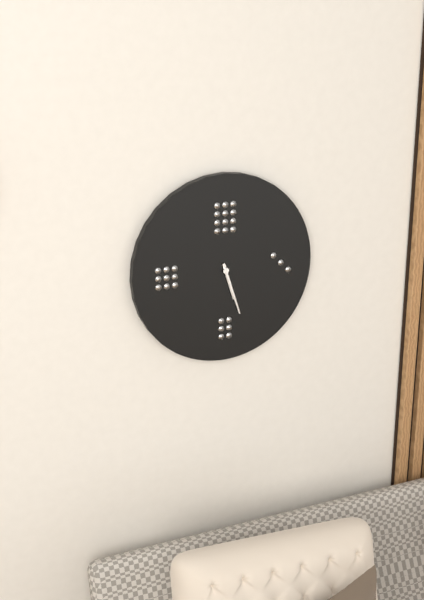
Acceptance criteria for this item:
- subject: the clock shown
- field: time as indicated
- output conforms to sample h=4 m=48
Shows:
h=5 m=27
